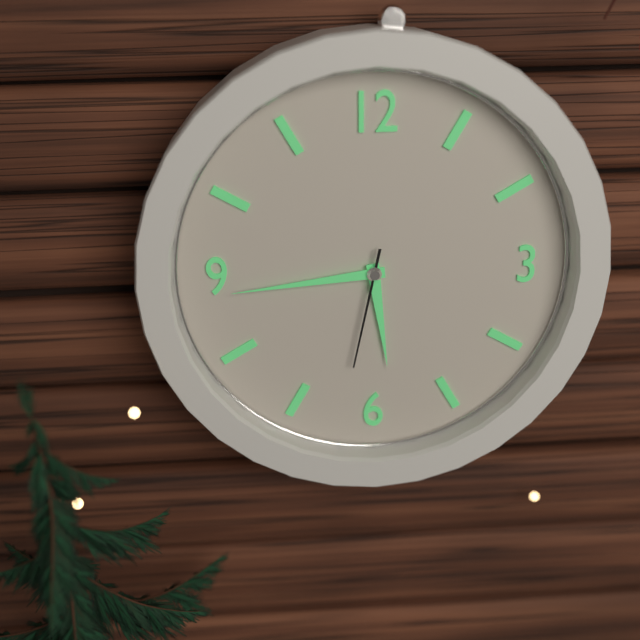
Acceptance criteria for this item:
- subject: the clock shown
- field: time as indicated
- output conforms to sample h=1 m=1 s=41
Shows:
h=5 m=44 s=32
